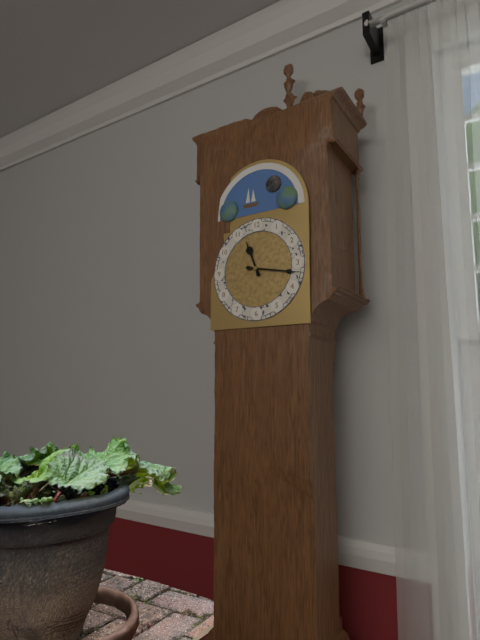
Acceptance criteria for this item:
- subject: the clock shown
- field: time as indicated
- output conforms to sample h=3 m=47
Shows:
h=11 m=17
